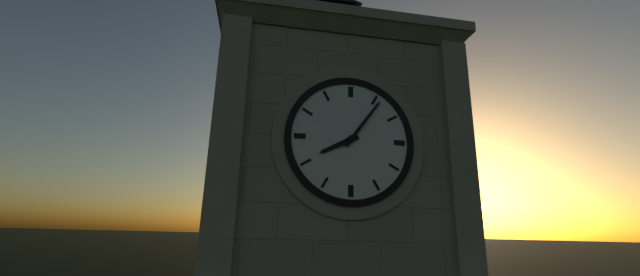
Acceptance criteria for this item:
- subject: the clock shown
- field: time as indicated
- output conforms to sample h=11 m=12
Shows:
h=8 m=6
